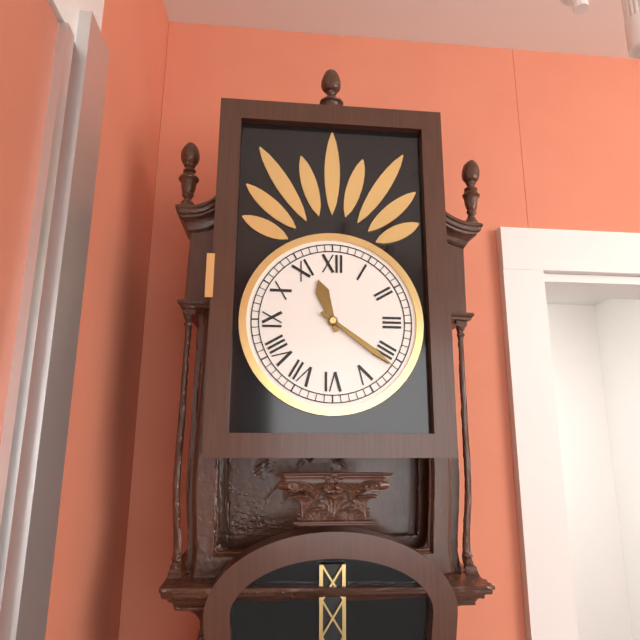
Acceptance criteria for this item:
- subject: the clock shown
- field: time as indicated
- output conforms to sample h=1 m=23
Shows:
h=11 m=21
